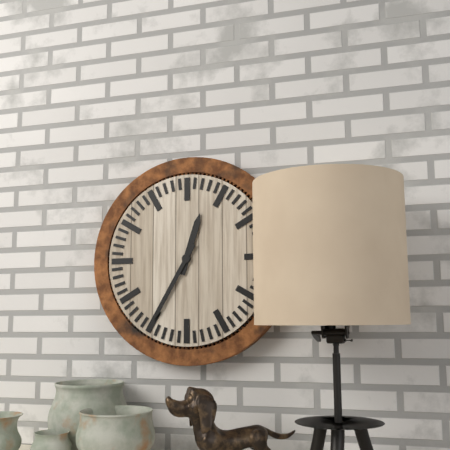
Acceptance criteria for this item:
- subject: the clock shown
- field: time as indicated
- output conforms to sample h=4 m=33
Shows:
h=12 m=35
